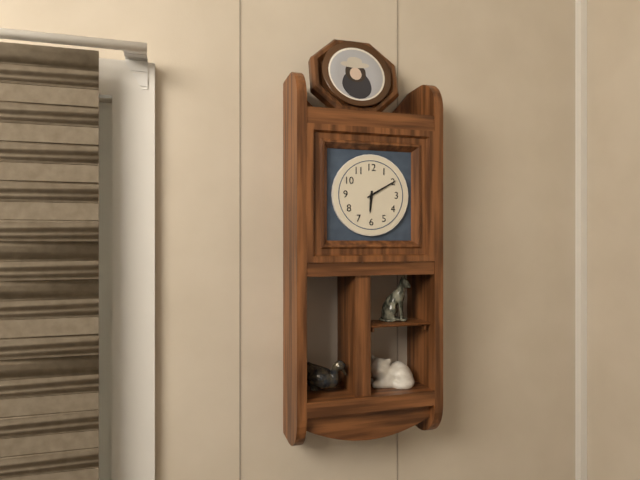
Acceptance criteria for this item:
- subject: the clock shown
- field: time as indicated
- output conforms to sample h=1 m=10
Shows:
h=6 m=10
